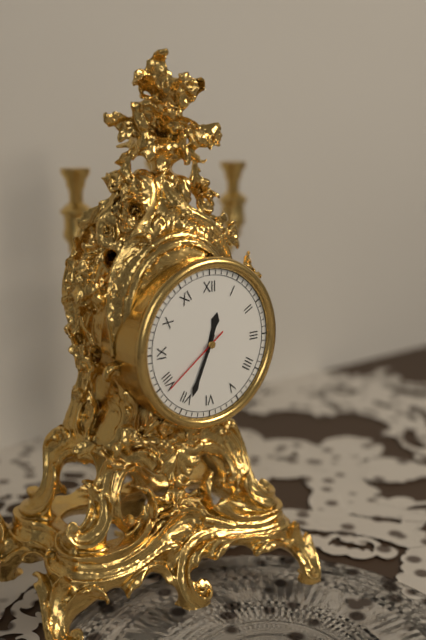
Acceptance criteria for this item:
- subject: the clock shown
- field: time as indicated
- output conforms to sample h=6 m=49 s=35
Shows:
h=12 m=34 s=39
